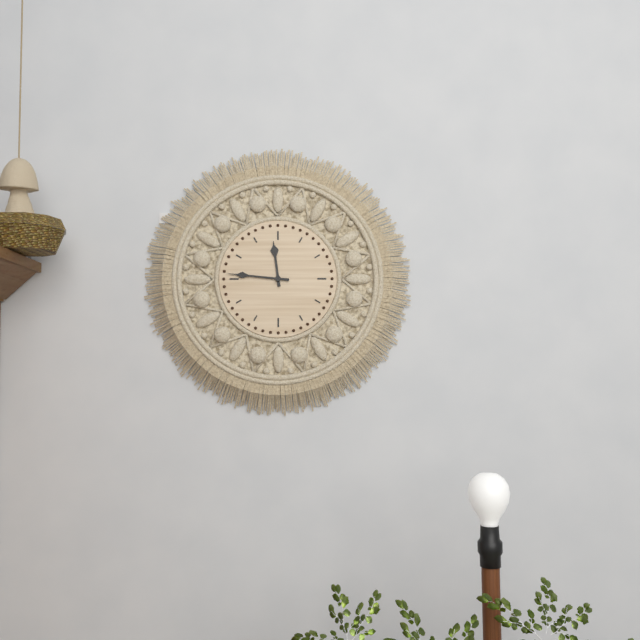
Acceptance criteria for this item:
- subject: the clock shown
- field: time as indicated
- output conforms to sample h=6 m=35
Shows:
h=11 m=46
